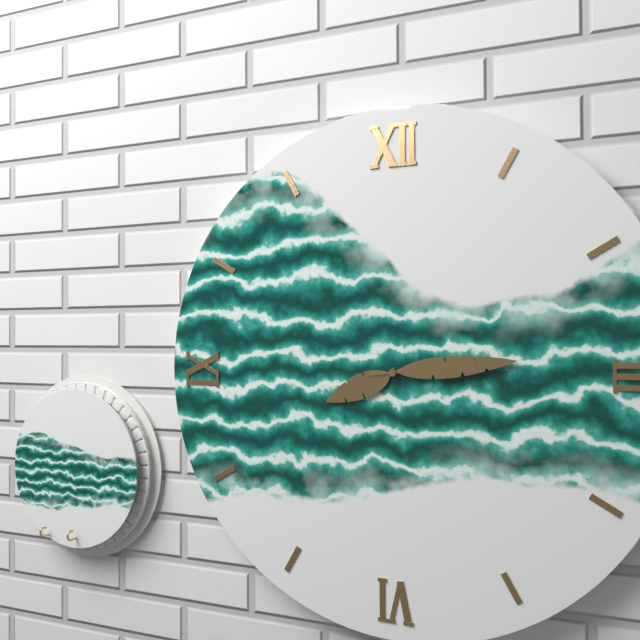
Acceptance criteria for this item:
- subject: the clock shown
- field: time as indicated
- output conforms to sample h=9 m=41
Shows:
h=8 m=14
